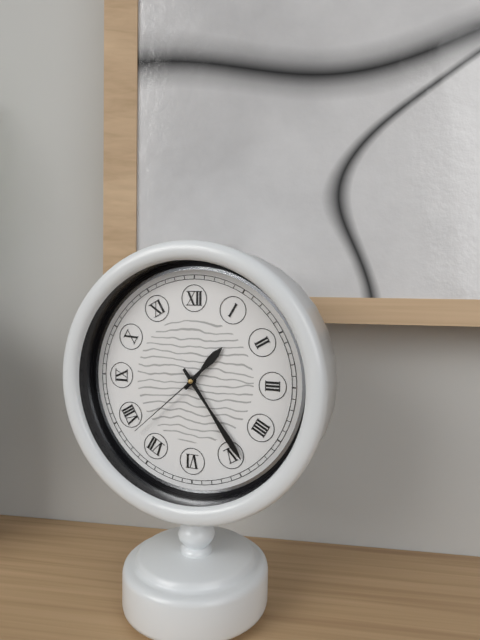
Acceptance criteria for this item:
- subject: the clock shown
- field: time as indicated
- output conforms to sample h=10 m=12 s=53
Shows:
h=1 m=24 s=38
